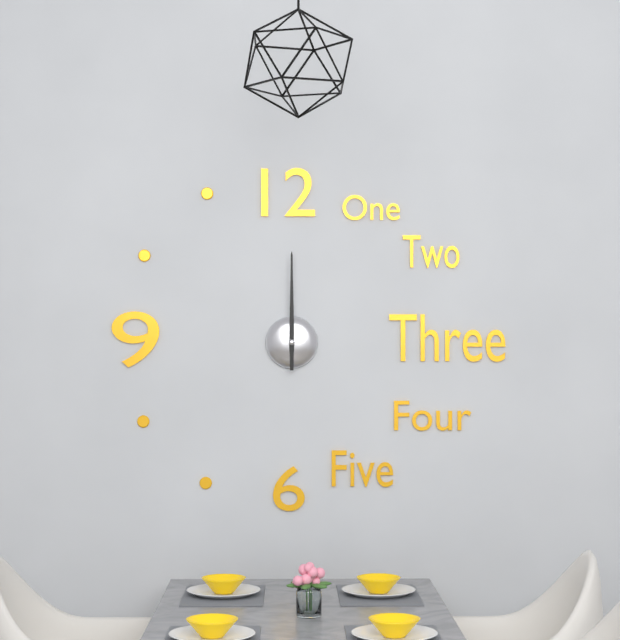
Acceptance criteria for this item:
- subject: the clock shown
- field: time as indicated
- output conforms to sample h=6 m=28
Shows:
h=12 m=0
